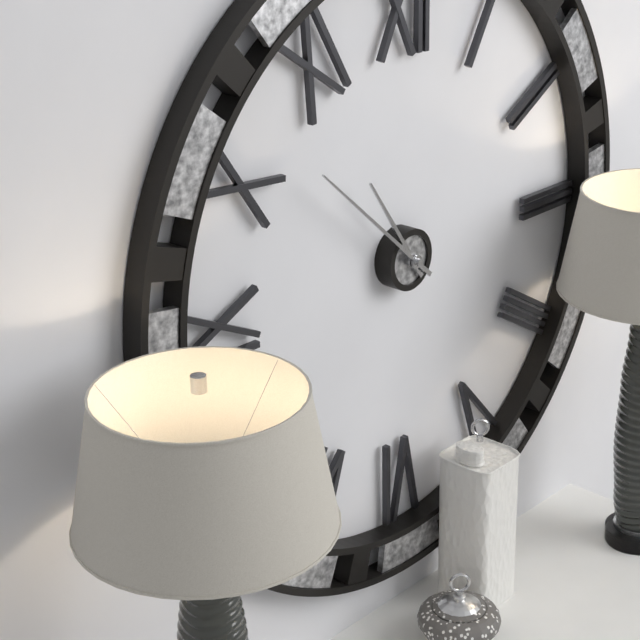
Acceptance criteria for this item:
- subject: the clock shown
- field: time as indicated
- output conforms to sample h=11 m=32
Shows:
h=10 m=52
